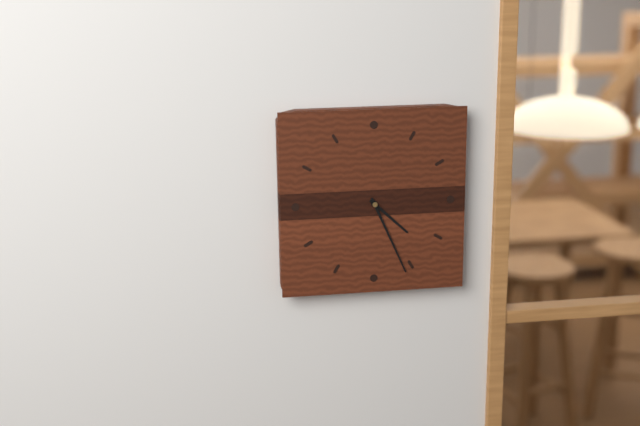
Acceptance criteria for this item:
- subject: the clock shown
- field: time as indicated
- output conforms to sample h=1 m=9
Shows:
h=4 m=26
